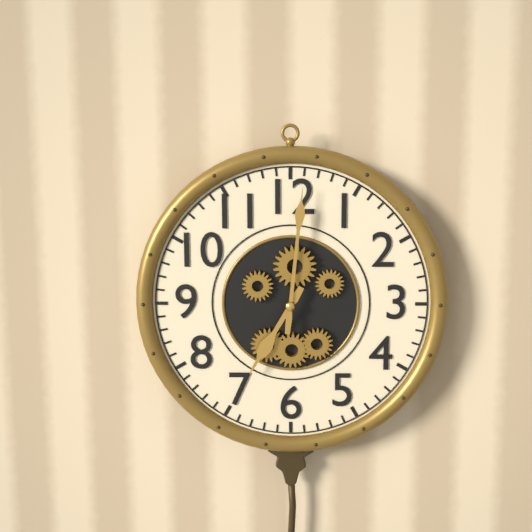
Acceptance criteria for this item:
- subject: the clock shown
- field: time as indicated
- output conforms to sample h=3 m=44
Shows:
h=7 m=1
